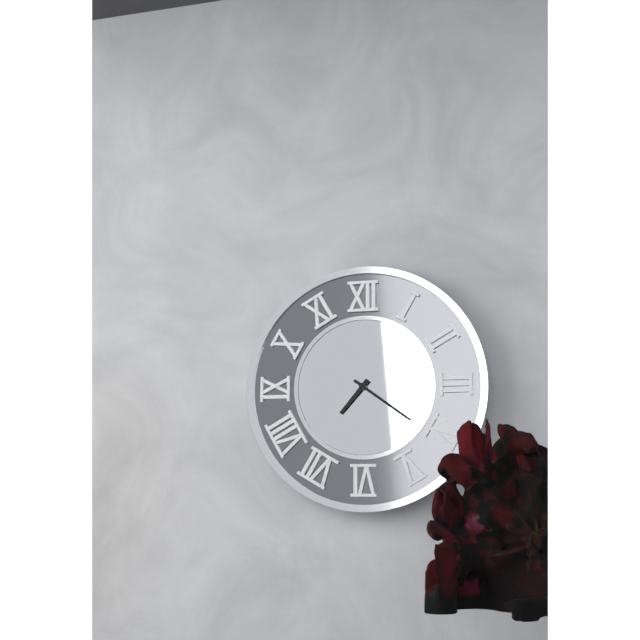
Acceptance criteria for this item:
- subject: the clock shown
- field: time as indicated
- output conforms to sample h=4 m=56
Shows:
h=7 m=21
